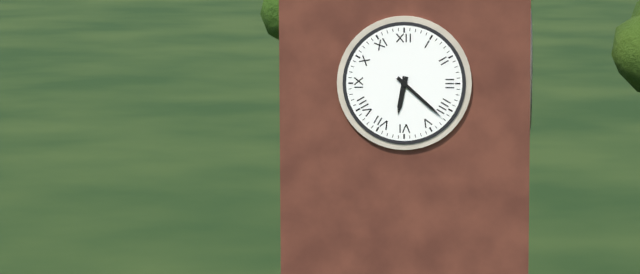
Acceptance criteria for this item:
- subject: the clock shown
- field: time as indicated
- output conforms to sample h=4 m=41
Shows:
h=6 m=22
